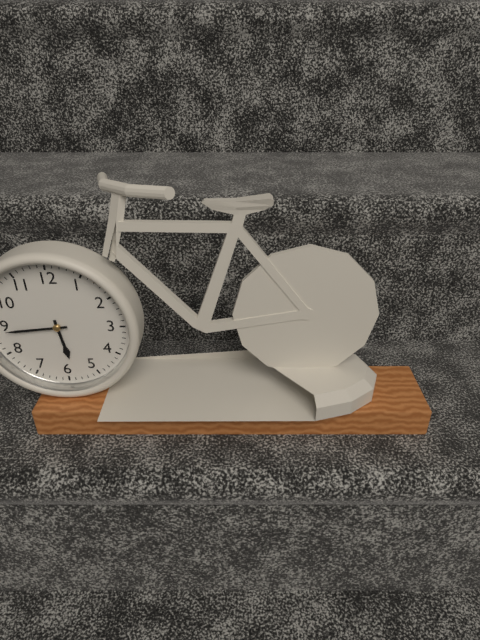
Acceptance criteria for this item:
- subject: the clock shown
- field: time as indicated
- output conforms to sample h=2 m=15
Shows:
h=5 m=44
